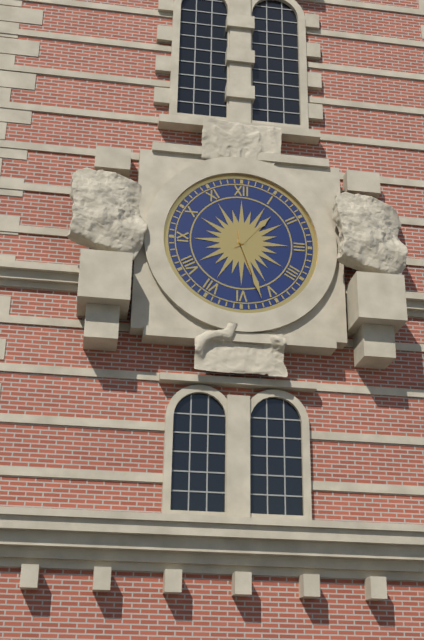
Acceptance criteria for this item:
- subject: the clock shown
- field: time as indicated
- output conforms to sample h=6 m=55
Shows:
h=1 m=27
